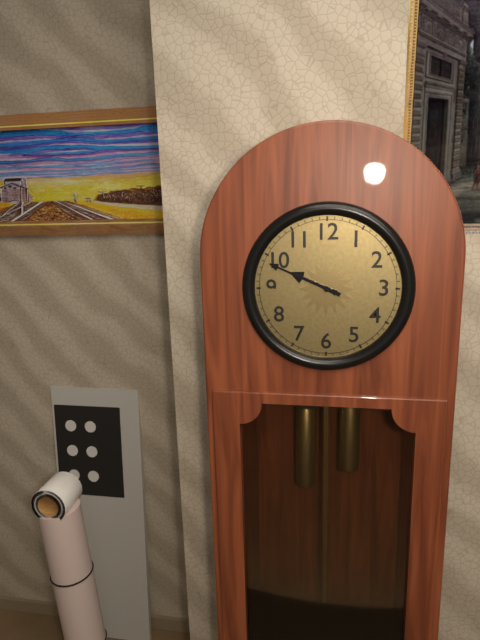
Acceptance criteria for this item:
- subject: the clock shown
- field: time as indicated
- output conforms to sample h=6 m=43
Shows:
h=9 m=49
